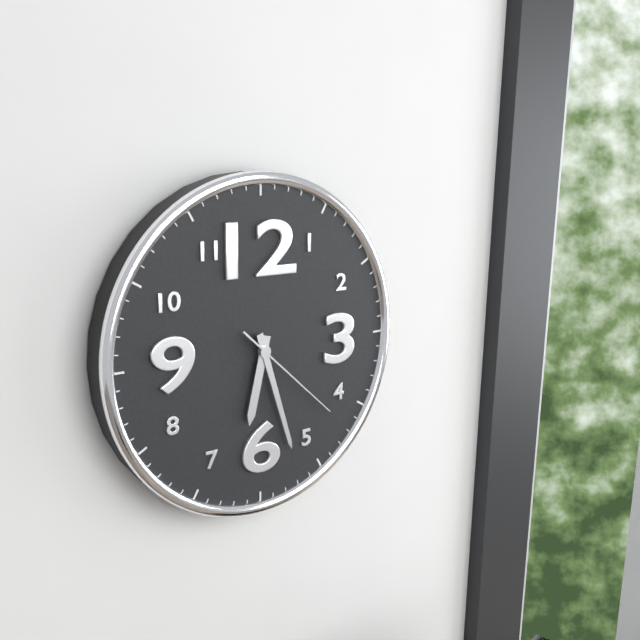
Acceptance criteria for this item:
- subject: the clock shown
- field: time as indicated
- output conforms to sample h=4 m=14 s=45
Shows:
h=6 m=27 s=22
